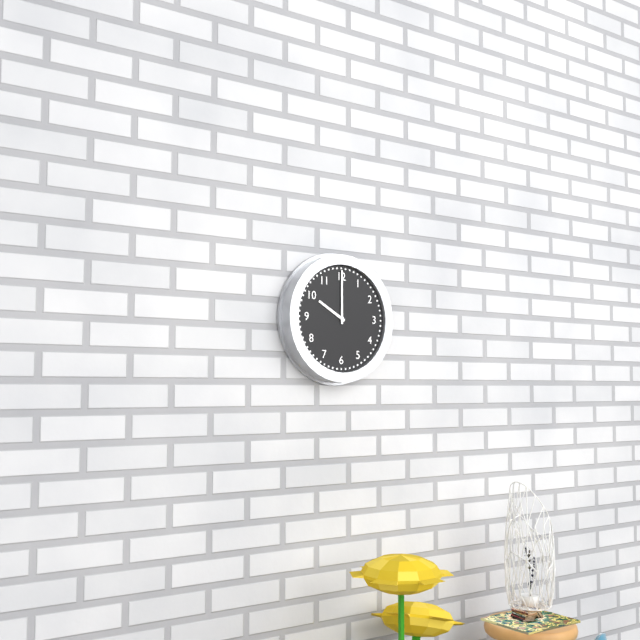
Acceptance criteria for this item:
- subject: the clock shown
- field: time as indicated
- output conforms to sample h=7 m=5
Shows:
h=10 m=0
